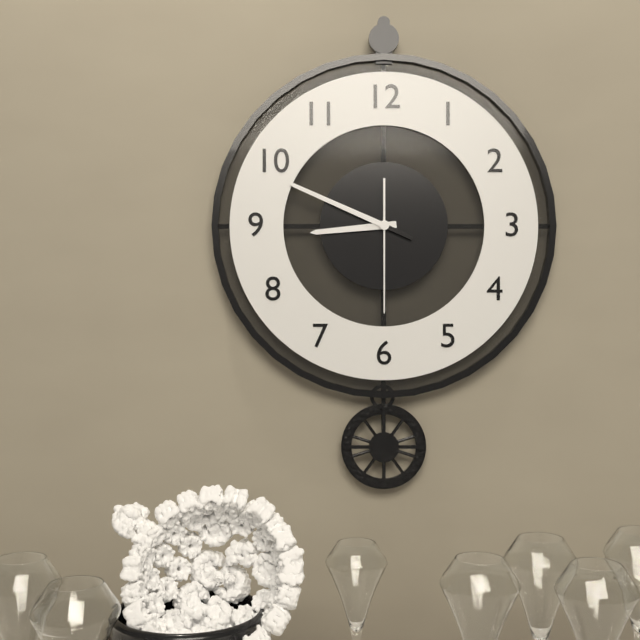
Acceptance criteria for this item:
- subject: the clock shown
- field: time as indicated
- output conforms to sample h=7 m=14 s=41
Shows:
h=8 m=49 s=30
